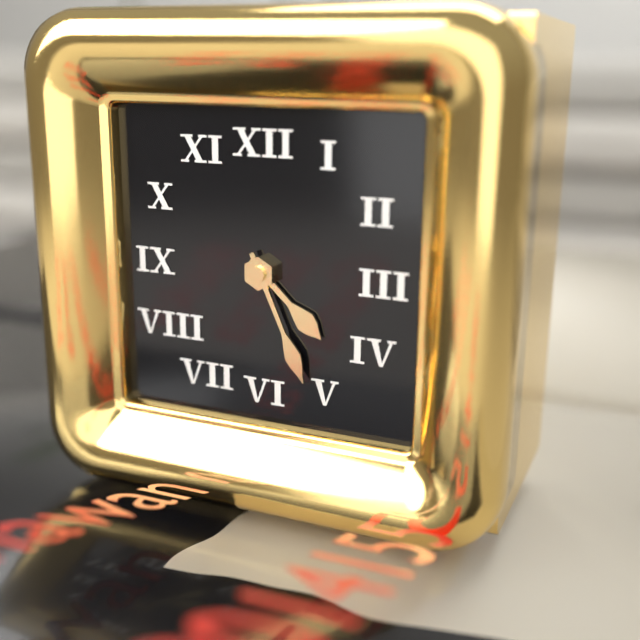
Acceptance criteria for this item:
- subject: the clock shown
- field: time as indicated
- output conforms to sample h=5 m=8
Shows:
h=4 m=26
